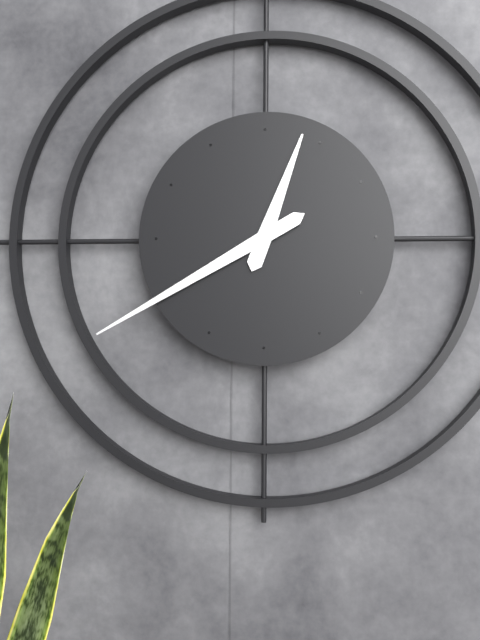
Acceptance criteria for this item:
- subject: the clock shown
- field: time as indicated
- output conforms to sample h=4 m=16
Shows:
h=12 m=40
